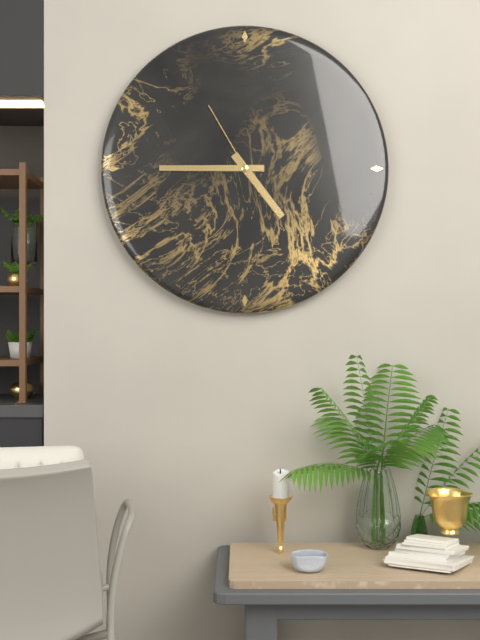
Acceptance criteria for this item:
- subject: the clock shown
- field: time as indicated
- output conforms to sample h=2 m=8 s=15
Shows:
h=4 m=45 s=55
